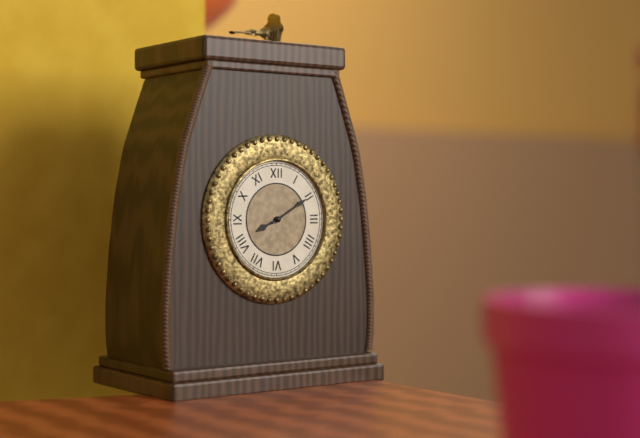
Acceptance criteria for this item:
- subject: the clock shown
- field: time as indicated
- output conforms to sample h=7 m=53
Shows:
h=8 m=10
